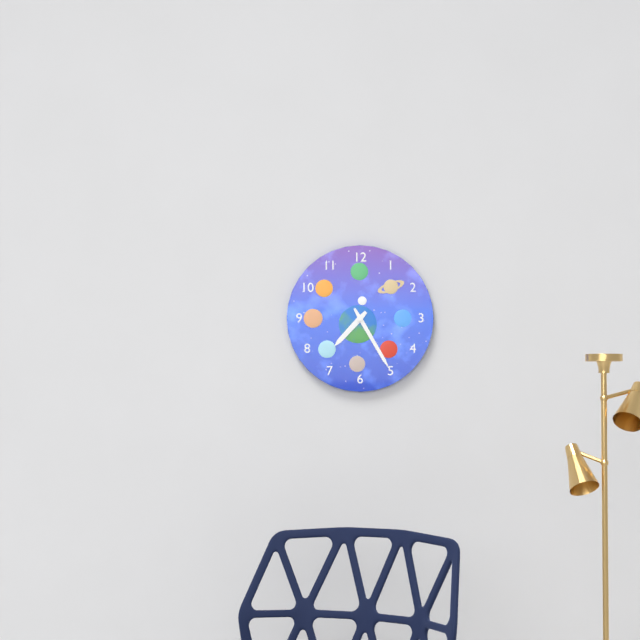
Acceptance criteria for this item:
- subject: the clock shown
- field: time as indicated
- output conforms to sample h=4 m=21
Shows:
h=7 m=25
